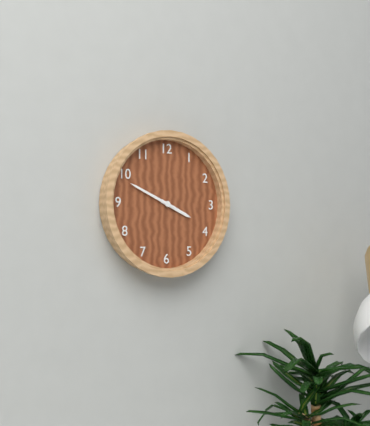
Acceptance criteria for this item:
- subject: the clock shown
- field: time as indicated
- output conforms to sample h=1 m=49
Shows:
h=3 m=49
